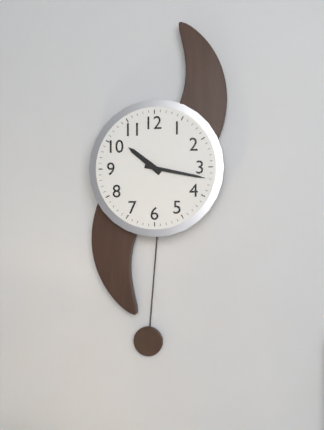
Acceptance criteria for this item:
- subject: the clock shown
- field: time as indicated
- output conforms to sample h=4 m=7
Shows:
h=10 m=17
